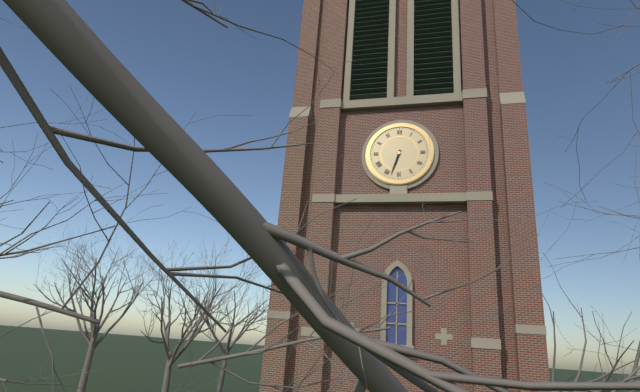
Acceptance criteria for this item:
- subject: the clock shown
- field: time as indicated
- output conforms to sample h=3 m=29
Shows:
h=6 m=33
